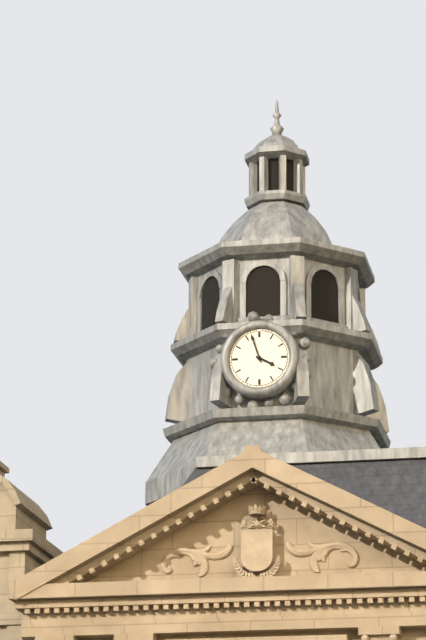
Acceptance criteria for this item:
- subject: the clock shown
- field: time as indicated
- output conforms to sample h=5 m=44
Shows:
h=3 m=57
